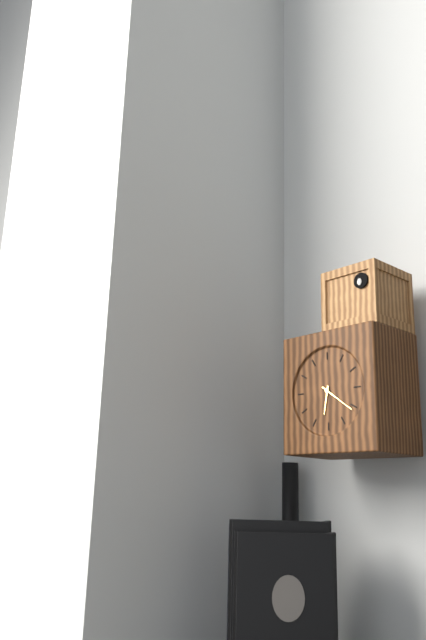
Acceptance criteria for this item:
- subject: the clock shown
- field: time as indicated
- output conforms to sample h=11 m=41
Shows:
h=6 m=21
